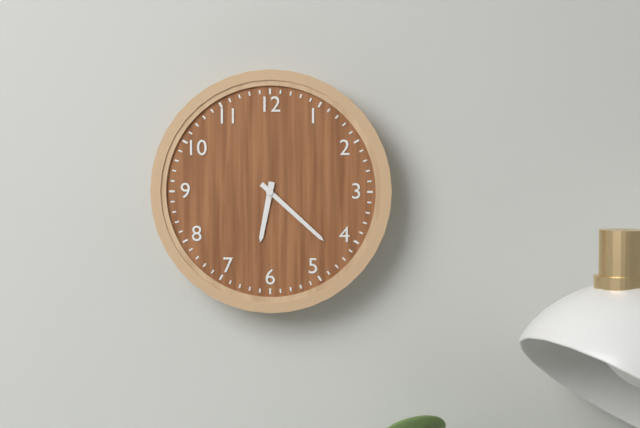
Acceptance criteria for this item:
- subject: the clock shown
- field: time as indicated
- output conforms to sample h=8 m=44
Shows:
h=6 m=22
